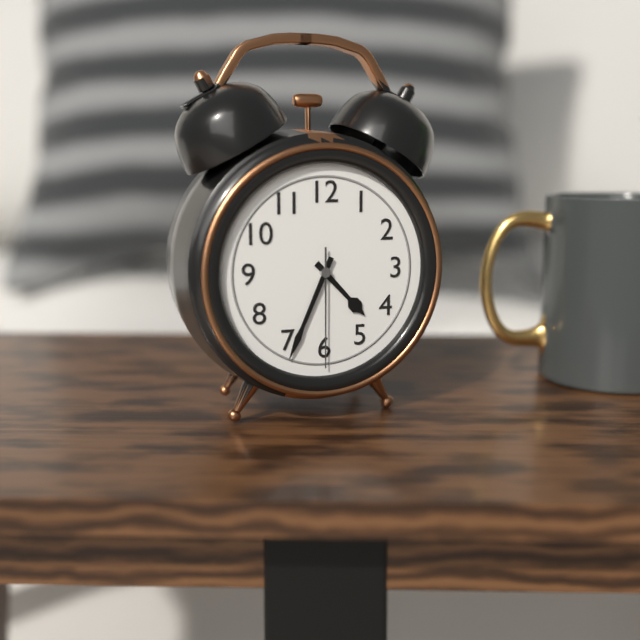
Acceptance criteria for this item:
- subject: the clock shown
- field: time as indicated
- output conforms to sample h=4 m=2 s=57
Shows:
h=4 m=34 s=30
